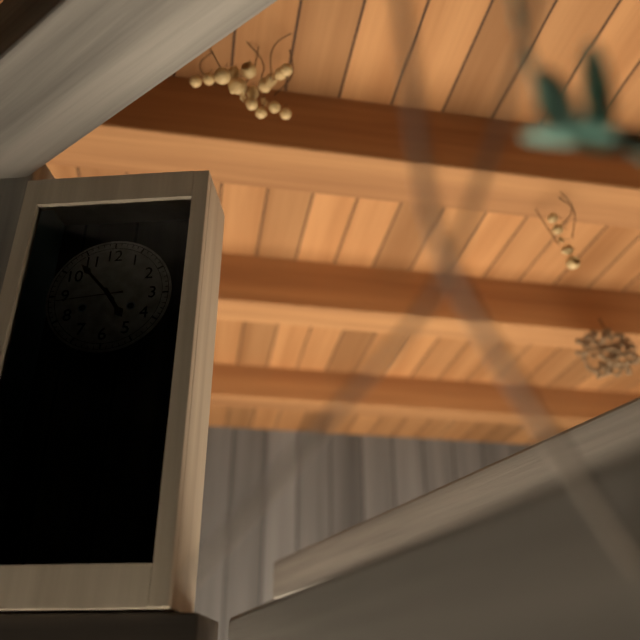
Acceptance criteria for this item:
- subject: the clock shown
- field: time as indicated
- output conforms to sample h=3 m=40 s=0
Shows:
h=4 m=53 s=44
